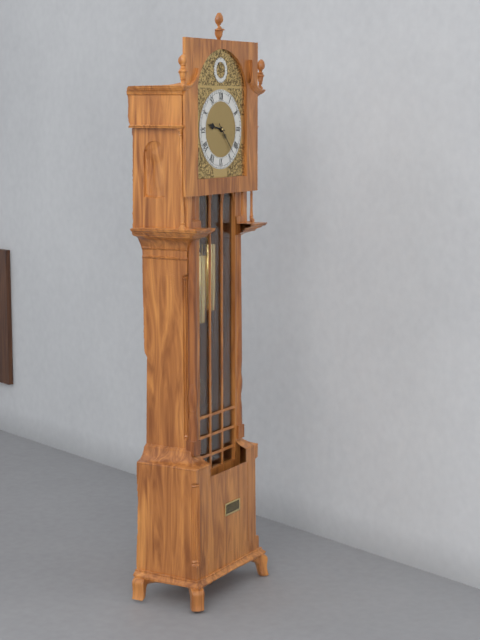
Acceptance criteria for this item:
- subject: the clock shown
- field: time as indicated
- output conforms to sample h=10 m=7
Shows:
h=9 m=23
